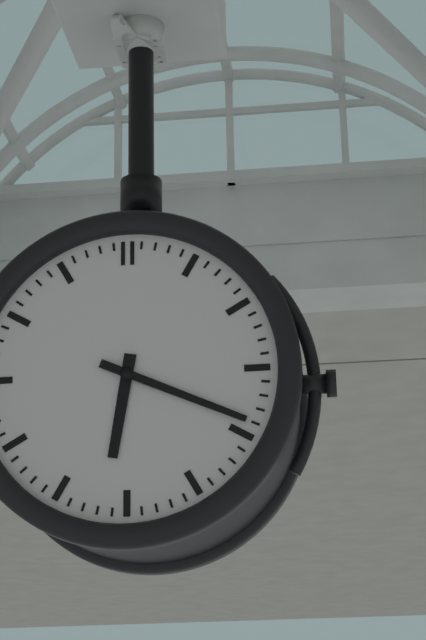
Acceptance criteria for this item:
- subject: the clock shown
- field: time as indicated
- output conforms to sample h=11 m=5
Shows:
h=6 m=19
